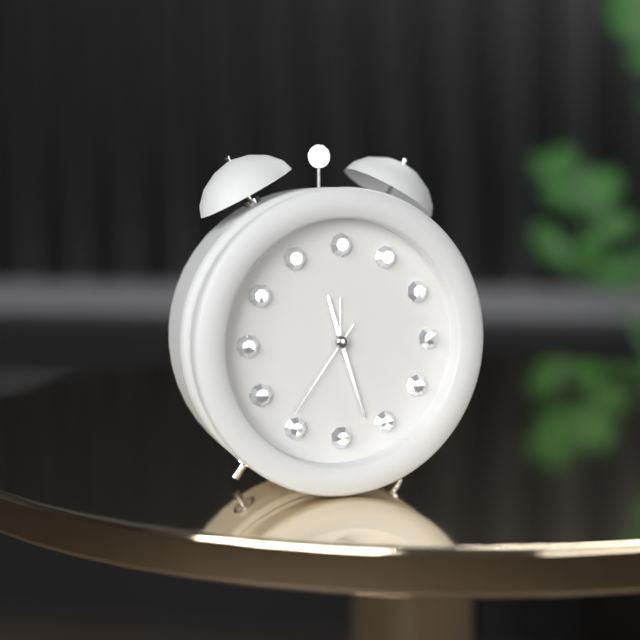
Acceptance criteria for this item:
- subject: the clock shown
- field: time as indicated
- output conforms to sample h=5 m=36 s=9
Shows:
h=11 m=27 s=36
